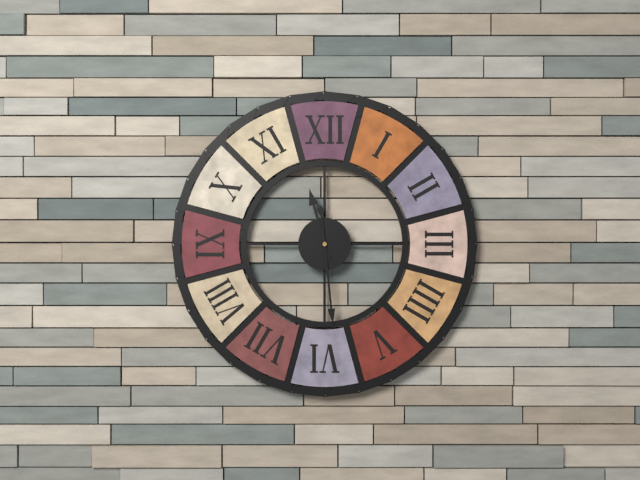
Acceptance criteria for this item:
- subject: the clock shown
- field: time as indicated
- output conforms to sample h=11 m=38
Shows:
h=11 m=29
